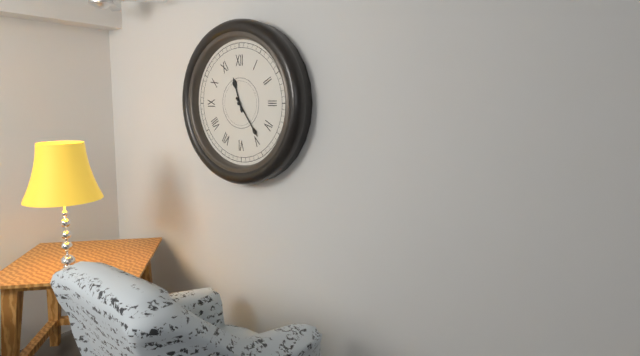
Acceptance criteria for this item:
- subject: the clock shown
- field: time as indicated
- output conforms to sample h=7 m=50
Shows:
h=11 m=24
